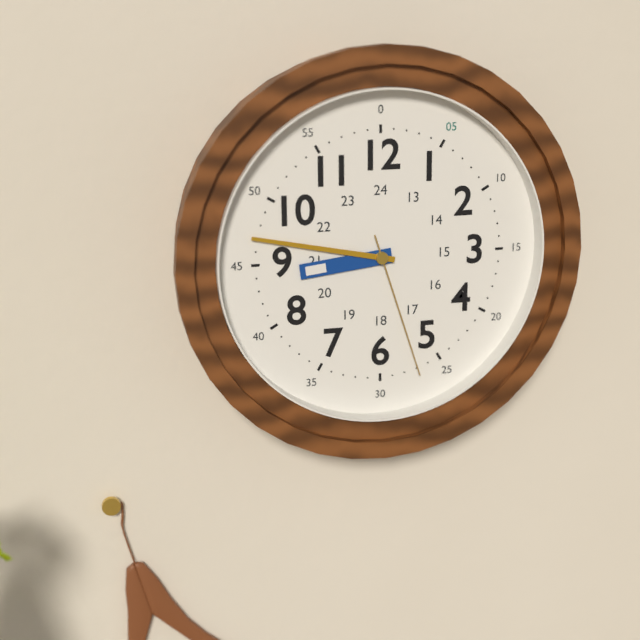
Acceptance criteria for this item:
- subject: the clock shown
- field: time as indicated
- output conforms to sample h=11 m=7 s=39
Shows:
h=8 m=47 s=27
